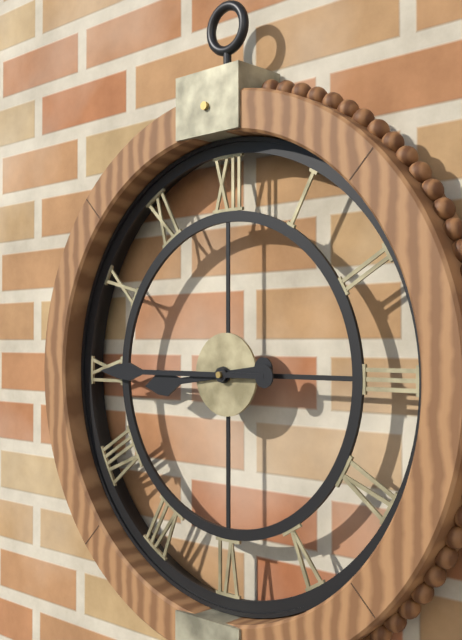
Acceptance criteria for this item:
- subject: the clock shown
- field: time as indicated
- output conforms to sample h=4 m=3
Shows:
h=8 m=45
